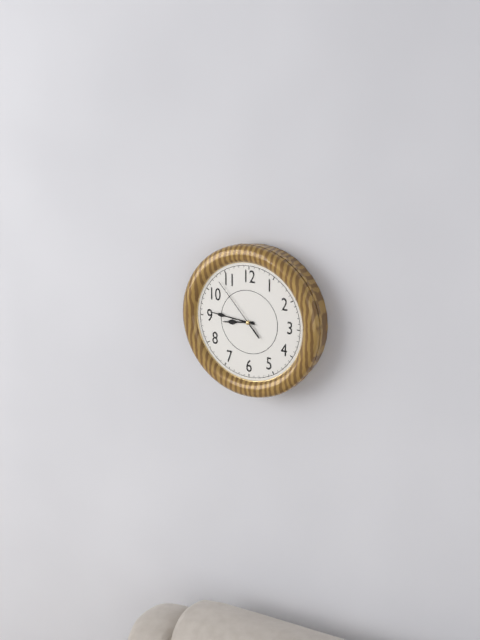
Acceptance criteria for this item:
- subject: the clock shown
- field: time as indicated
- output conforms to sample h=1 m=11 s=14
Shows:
h=8 m=46 s=53
